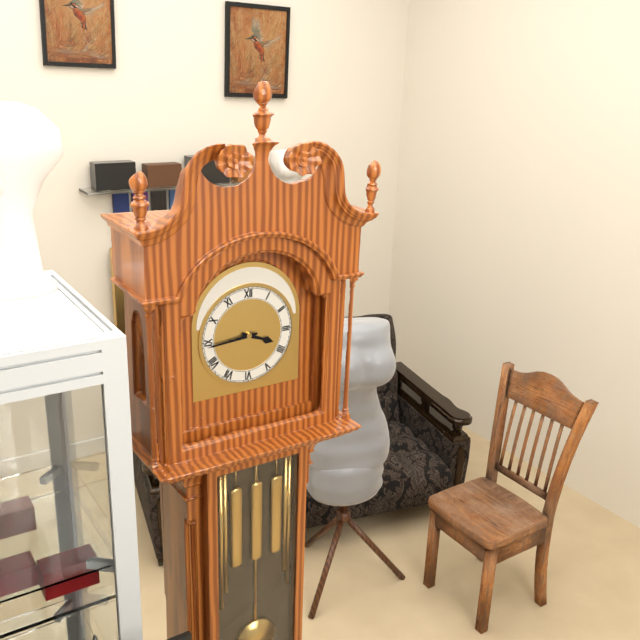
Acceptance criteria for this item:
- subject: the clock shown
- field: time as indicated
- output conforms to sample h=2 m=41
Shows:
h=3 m=44
